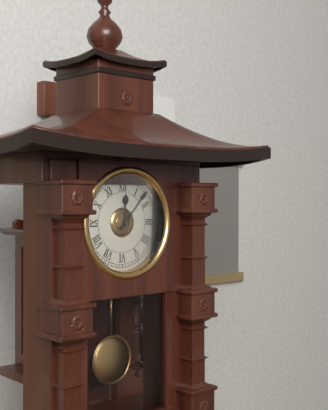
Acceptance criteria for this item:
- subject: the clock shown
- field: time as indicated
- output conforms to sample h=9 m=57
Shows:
h=12 m=7
